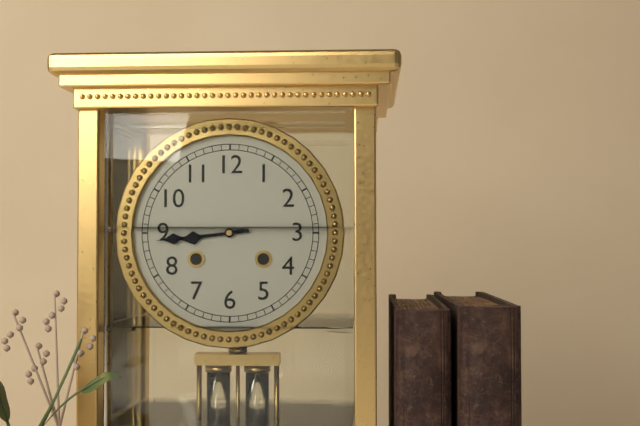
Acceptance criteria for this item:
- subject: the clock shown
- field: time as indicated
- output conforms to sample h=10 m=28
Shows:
h=8 m=44
